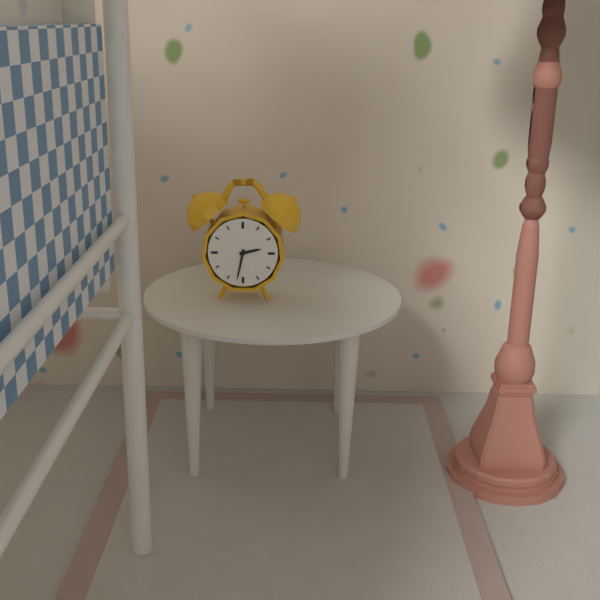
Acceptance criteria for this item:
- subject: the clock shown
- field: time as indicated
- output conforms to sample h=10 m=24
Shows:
h=2 m=32
